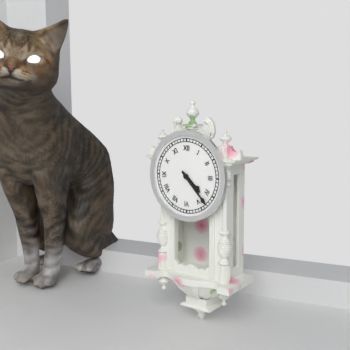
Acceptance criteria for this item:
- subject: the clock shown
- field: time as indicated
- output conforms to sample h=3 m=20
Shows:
h=4 m=23
